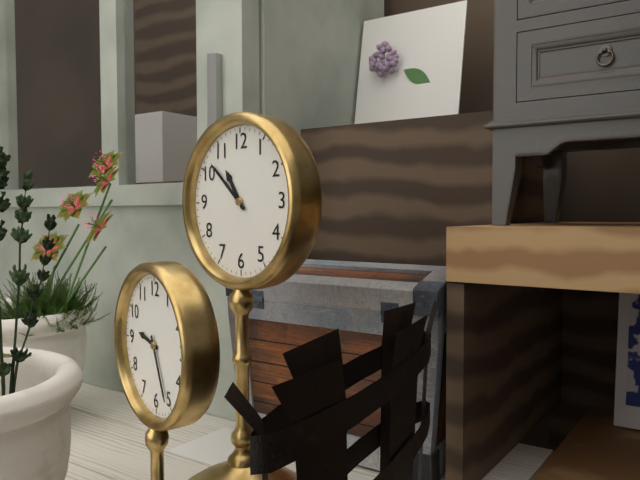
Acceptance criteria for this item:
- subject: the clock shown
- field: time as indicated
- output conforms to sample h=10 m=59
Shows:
h=10 m=52
